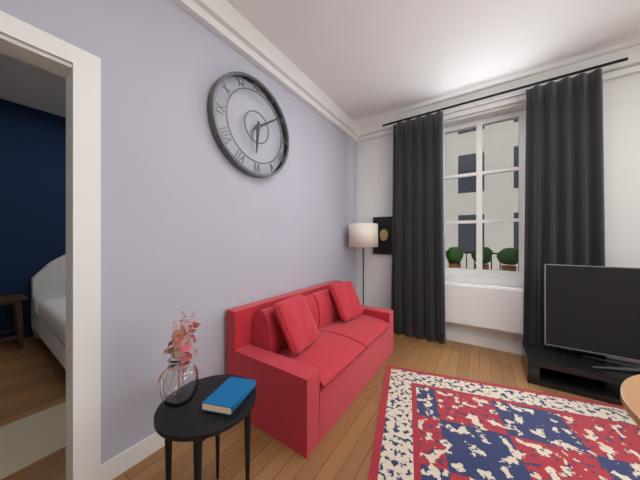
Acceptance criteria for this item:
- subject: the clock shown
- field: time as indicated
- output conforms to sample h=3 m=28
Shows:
h=6 m=9
